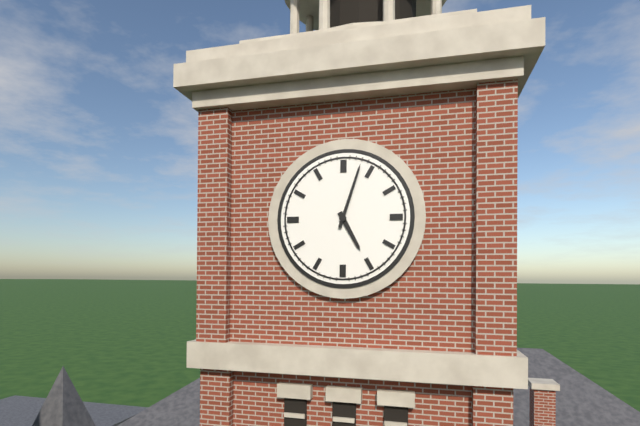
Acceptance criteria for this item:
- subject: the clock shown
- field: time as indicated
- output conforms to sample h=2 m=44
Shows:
h=5 m=3
